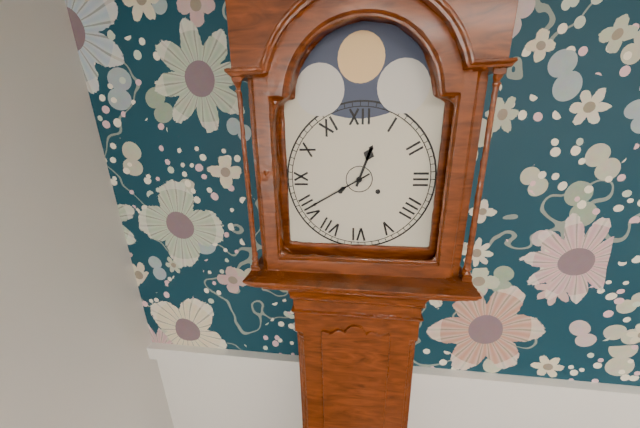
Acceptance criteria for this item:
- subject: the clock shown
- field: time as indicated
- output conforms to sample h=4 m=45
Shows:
h=12 m=40
